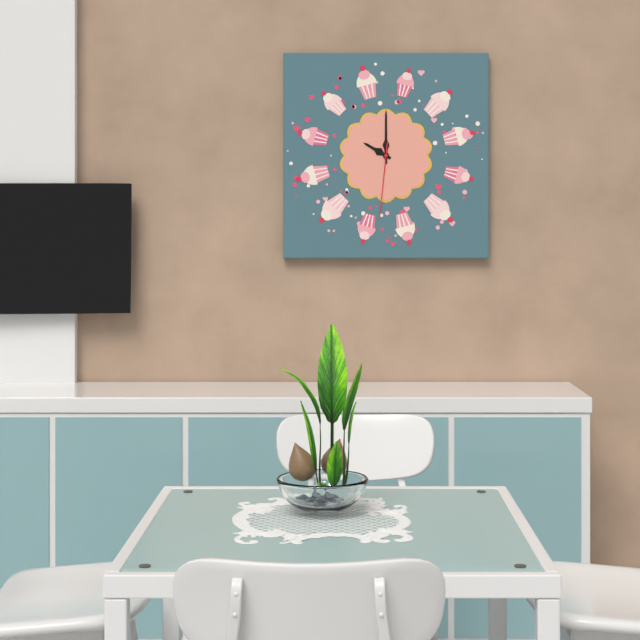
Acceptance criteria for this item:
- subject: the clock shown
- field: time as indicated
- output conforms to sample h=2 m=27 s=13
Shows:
h=10 m=0 s=31
